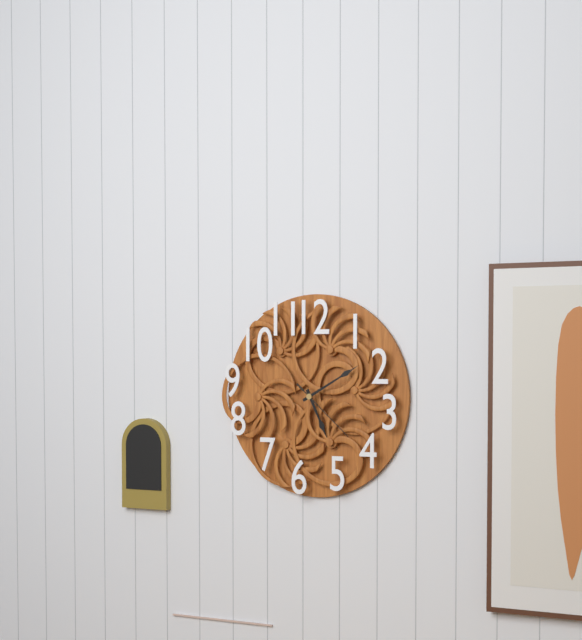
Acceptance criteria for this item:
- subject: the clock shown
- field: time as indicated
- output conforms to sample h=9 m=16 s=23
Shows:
h=5 m=10 s=22
